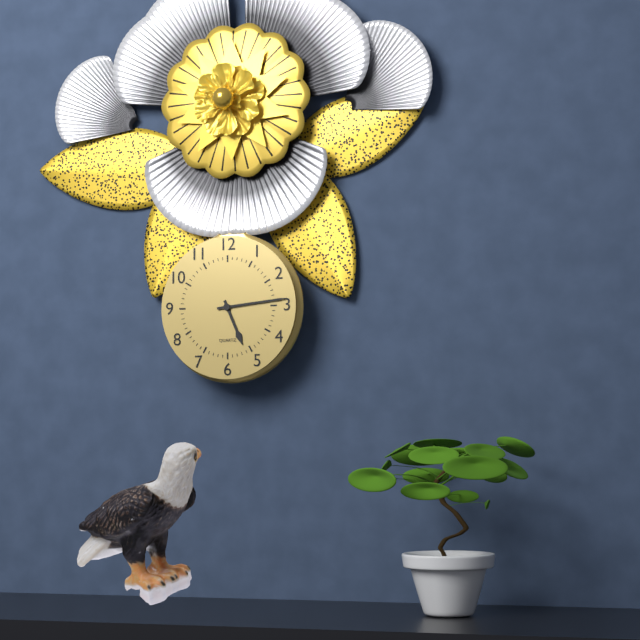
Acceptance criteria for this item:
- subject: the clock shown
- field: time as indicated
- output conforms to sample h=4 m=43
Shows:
h=5 m=14
